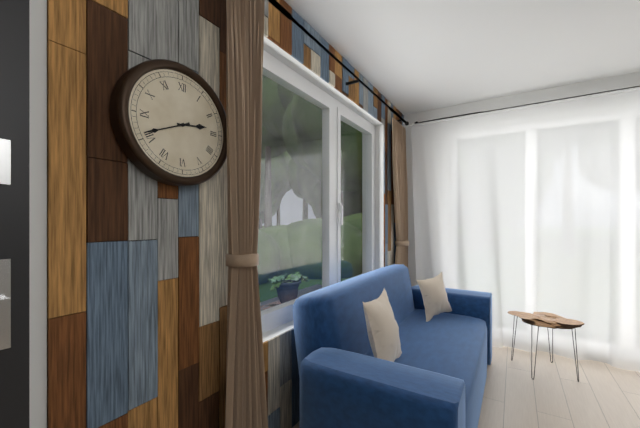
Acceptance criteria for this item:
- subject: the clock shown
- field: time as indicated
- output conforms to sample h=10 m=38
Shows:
h=2 m=41
